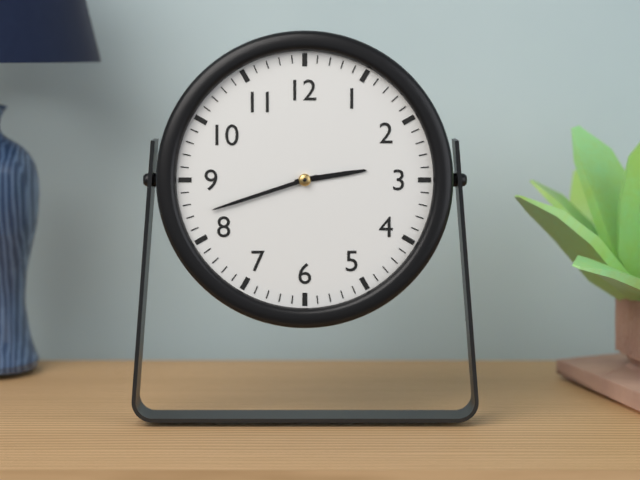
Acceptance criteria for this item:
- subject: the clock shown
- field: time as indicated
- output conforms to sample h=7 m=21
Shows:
h=2 m=42
